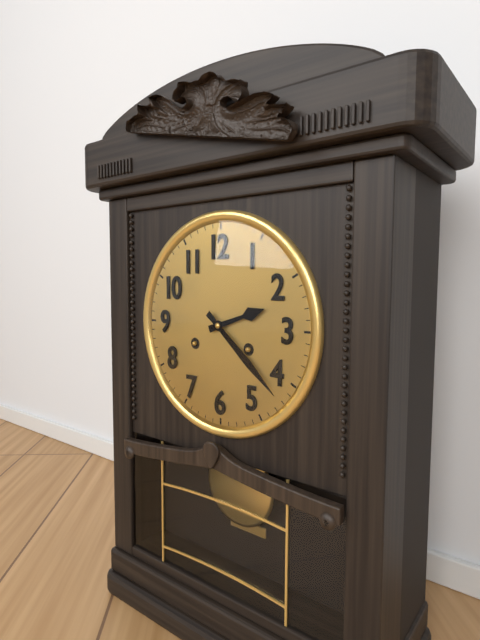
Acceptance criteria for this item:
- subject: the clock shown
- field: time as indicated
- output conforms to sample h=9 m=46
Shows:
h=2 m=22
